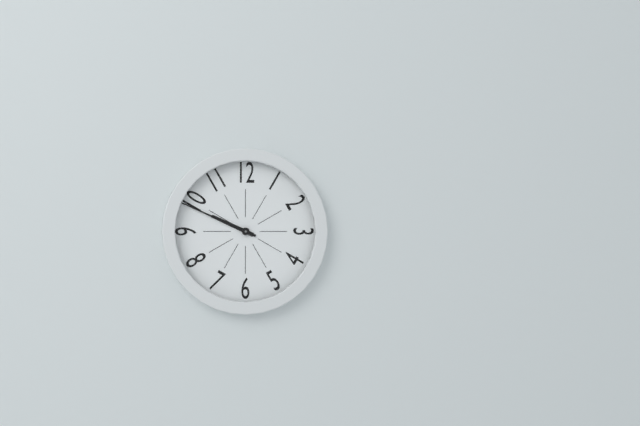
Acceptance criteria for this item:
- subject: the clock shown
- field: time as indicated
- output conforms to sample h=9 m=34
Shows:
h=9 m=49
